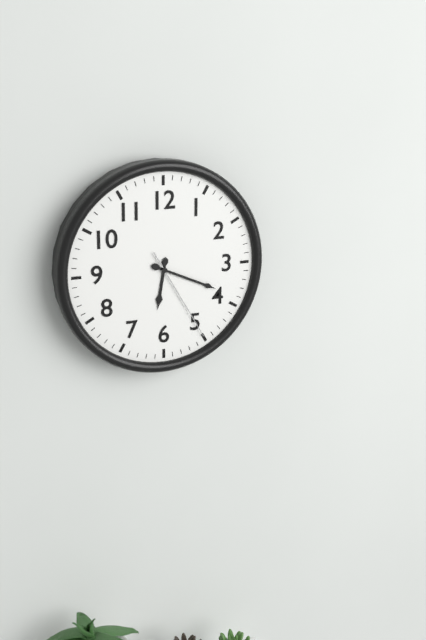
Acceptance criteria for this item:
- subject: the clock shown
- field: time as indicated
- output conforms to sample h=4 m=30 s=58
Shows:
h=6 m=19 s=25
